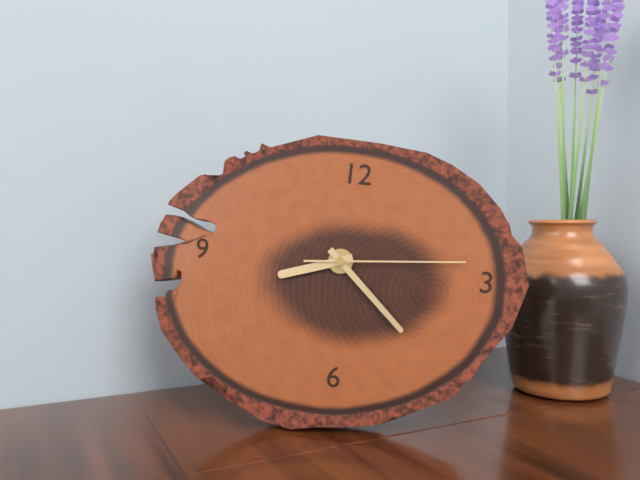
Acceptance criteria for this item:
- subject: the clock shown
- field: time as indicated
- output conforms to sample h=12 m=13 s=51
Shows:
h=8 m=22 s=14
